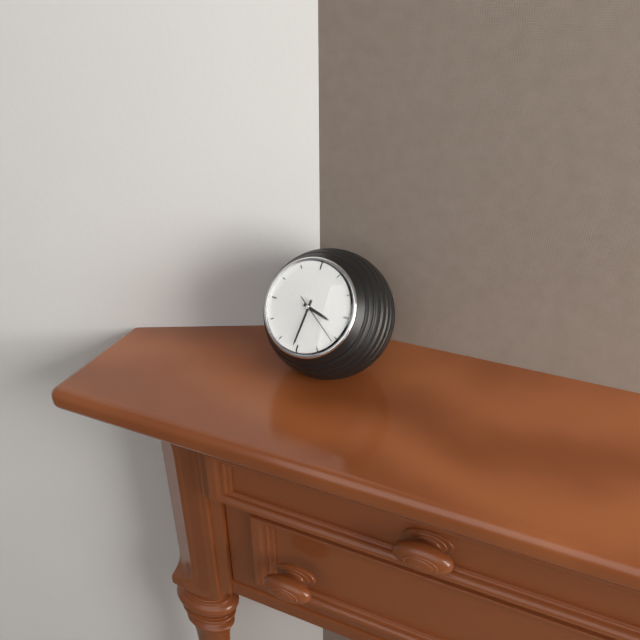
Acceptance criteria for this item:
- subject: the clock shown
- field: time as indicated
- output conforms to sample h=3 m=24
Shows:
h=3 m=31
